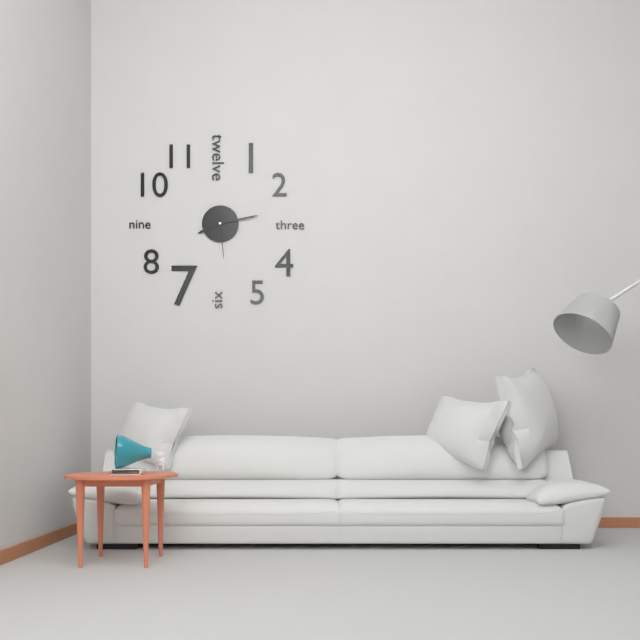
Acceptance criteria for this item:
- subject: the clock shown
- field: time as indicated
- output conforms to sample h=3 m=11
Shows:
h=8 m=13
